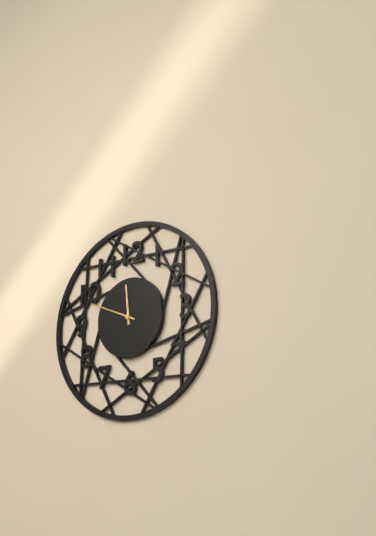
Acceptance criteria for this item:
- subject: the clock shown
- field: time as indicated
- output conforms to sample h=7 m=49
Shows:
h=11 m=49
